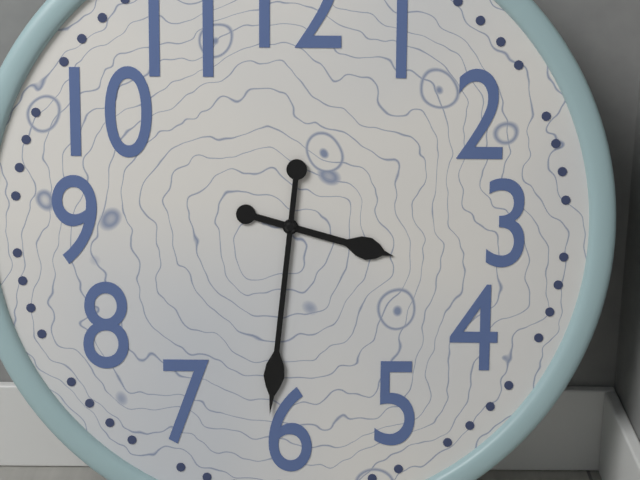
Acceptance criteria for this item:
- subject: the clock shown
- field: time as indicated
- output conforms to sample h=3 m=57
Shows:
h=3 m=31
